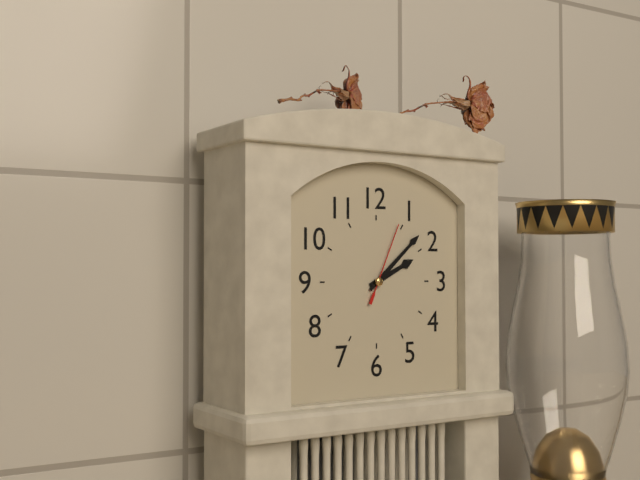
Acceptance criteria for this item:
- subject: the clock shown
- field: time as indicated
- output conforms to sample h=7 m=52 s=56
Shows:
h=2 m=8 s=4
